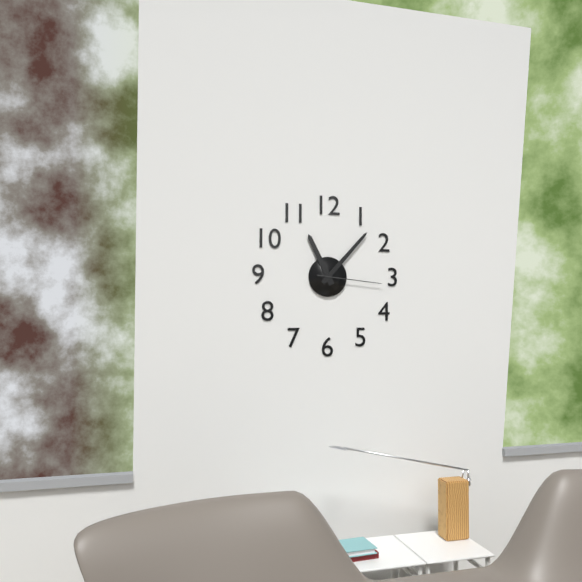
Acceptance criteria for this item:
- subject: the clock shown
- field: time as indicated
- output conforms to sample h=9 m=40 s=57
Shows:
h=11 m=7 s=16
